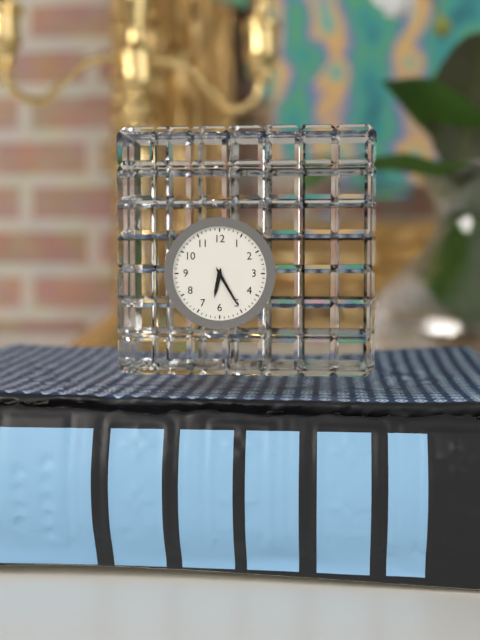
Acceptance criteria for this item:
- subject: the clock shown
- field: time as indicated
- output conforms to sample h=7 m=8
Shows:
h=6 m=25
